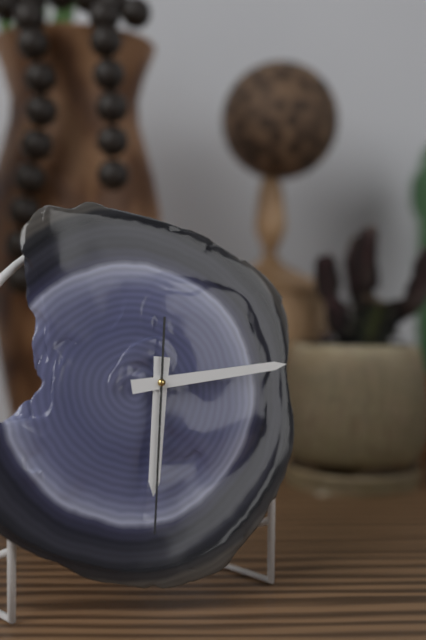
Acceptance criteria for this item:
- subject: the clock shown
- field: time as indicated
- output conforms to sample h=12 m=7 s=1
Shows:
h=6 m=14 s=31
